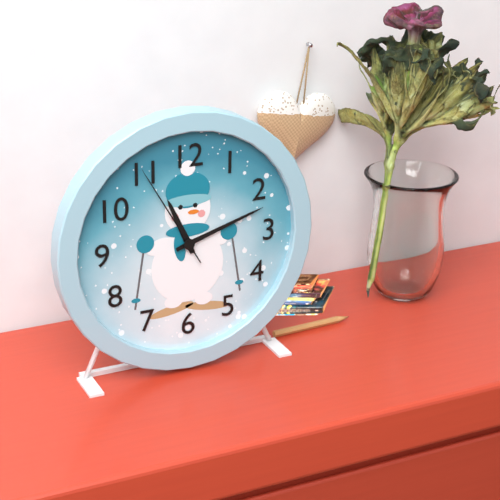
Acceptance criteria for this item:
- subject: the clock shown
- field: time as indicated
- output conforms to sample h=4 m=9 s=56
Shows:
h=11 m=12 s=55
